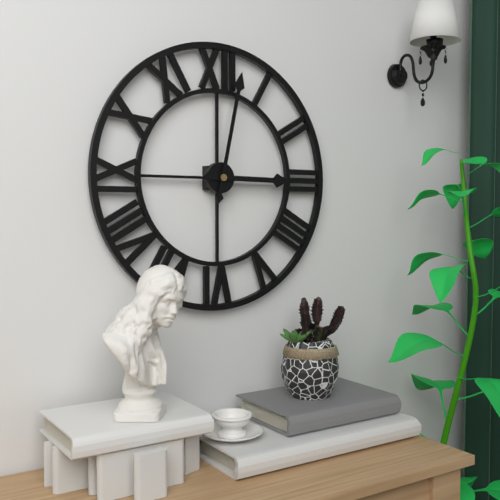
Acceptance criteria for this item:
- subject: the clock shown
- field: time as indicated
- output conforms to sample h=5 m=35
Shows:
h=3 m=2
